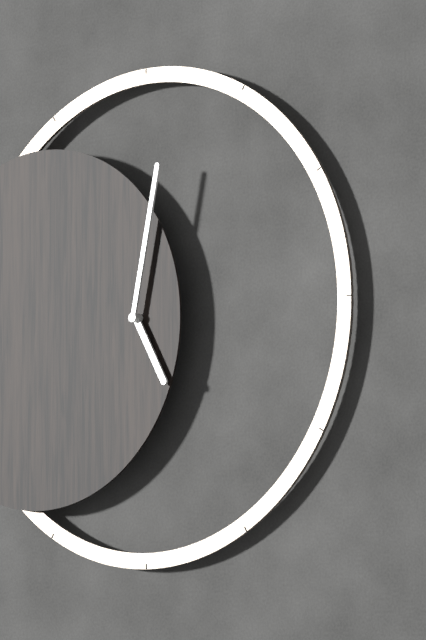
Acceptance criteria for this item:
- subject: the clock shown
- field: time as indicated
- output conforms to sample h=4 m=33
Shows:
h=5 m=2
